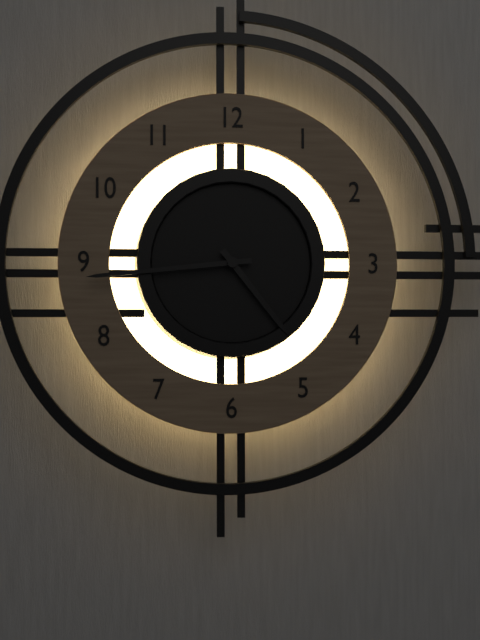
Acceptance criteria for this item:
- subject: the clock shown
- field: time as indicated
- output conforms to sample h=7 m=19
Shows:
h=4 m=44
